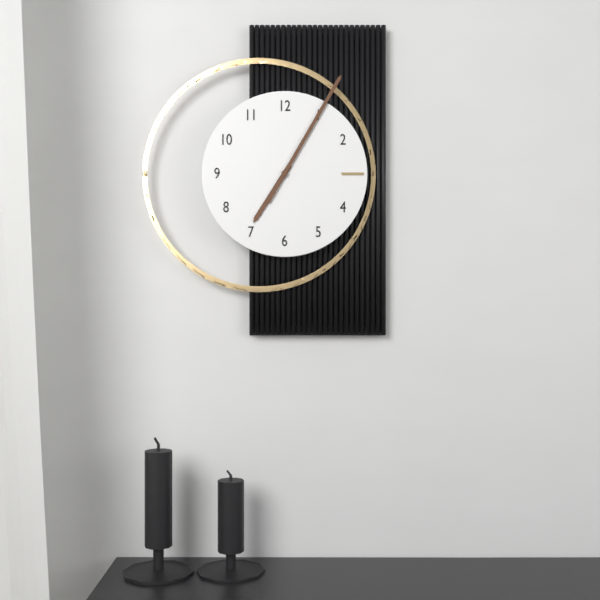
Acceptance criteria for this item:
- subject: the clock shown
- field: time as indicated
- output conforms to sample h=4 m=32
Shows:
h=7 m=5
